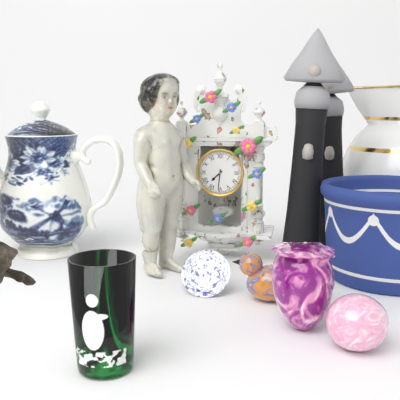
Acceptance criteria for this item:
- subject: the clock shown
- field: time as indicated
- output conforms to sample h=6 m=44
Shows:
h=7 m=31
